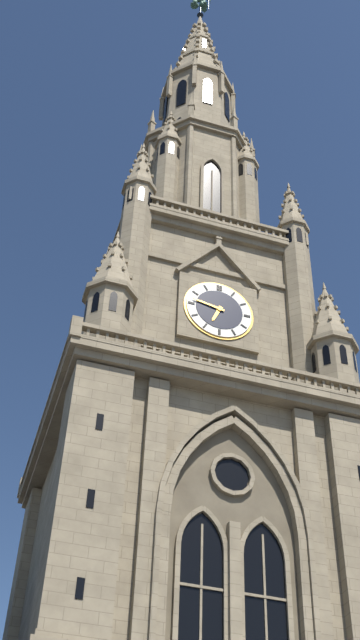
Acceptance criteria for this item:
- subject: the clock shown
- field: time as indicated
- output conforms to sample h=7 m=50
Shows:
h=6 m=47
